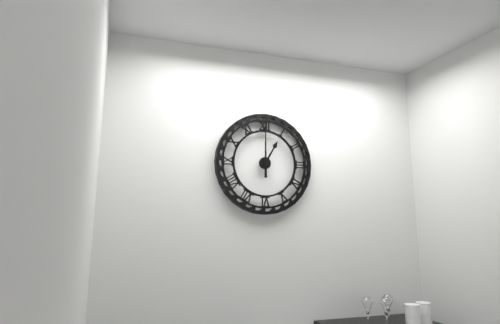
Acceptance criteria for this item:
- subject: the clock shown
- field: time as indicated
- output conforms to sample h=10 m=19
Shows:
h=1 m=0
